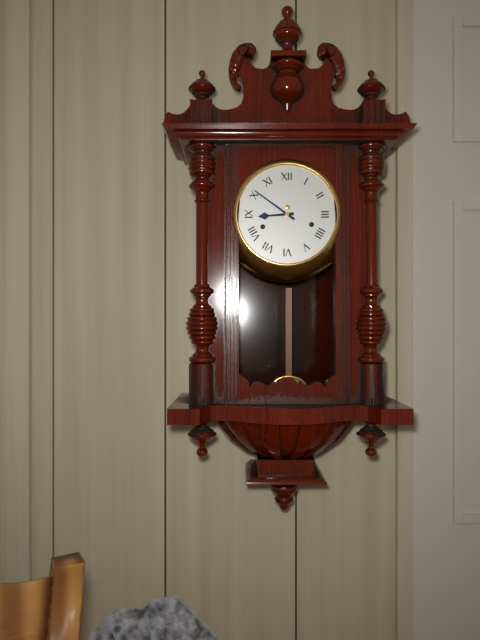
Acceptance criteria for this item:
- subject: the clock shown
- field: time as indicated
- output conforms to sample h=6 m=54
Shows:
h=8 m=51
